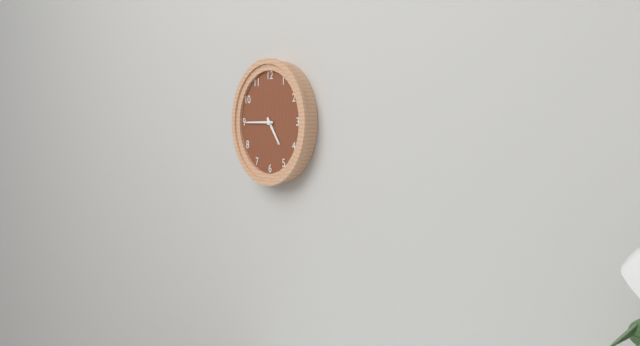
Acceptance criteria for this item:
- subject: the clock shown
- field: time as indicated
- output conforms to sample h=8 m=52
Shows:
h=4 m=45
